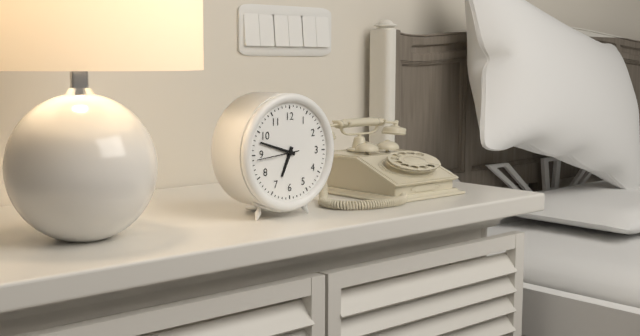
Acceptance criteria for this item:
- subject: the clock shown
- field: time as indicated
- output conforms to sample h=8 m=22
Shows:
h=6 m=48
